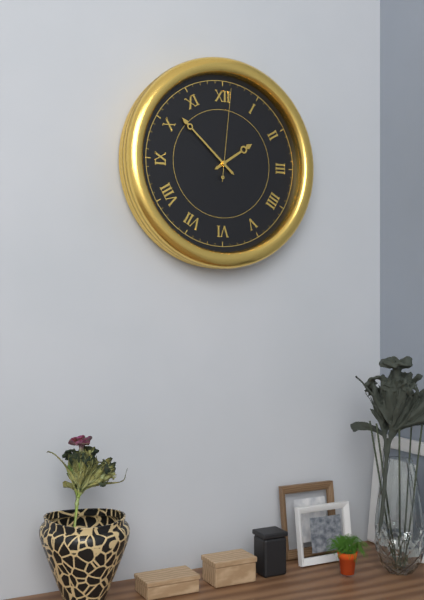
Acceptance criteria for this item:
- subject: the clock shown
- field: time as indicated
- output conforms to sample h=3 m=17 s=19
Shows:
h=1 m=52 s=1
